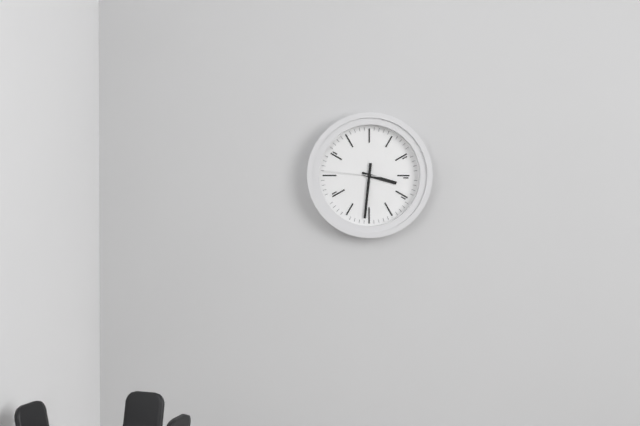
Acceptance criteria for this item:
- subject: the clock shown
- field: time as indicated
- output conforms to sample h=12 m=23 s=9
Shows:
h=3 m=31 s=46
